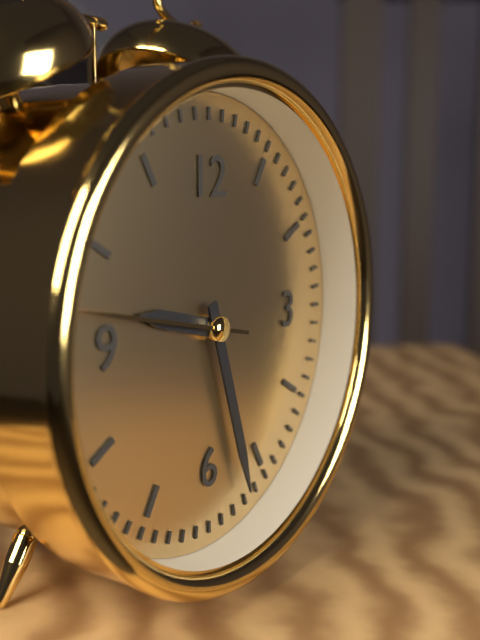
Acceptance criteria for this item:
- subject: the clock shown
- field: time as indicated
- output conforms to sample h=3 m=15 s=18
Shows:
h=9 m=27 s=47
